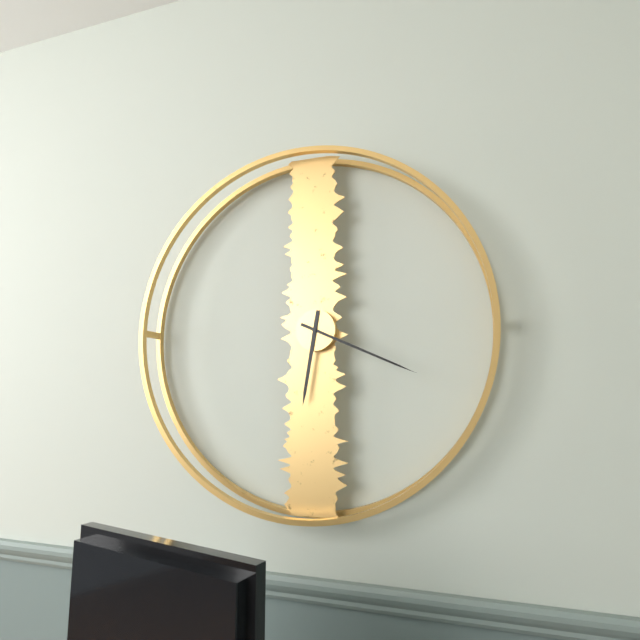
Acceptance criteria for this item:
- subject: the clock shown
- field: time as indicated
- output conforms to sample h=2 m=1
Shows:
h=6 m=19
